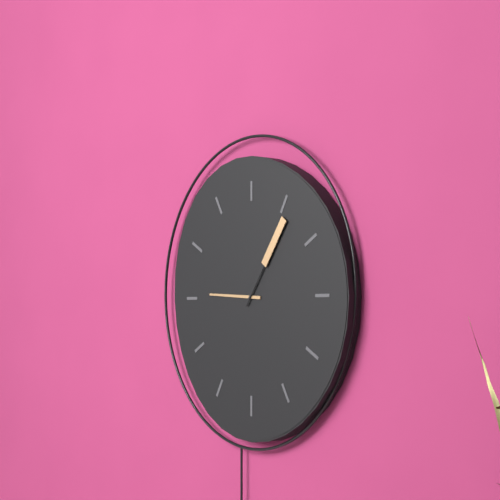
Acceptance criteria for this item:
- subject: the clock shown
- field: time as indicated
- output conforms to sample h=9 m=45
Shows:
h=9 m=6
